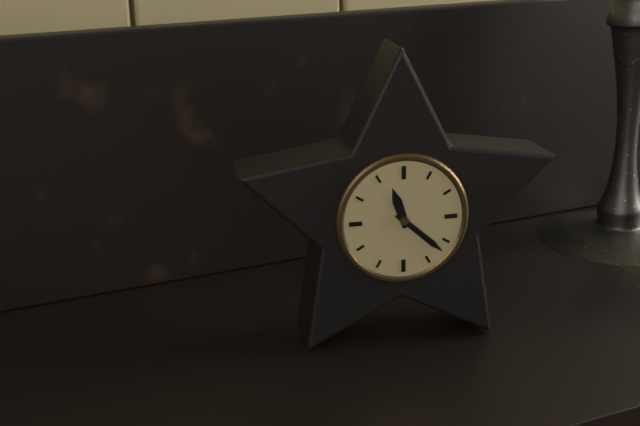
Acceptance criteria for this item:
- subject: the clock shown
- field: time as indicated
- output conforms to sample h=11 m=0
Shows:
h=11 m=22
